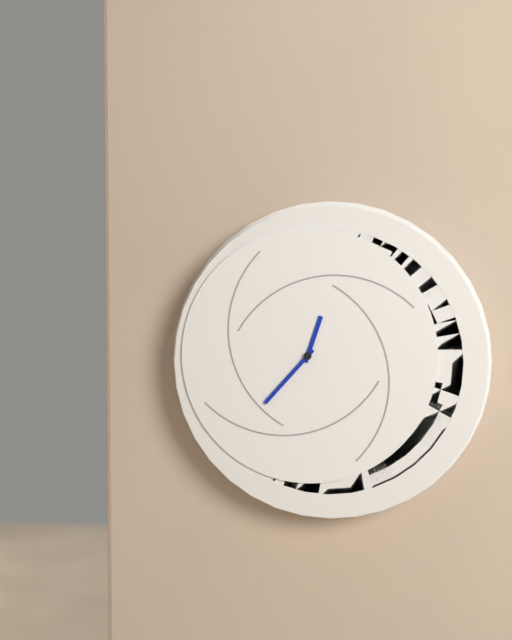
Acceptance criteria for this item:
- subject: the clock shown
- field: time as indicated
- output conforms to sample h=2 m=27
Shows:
h=12 m=37
